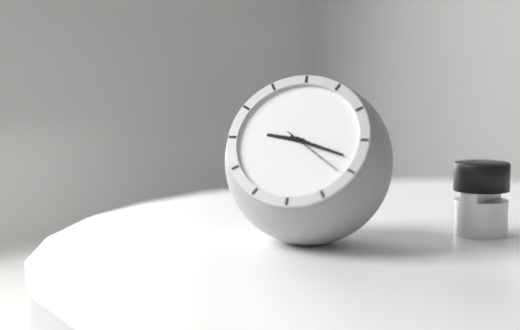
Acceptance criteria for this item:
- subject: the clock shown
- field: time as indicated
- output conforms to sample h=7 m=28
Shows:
h=9 m=18
